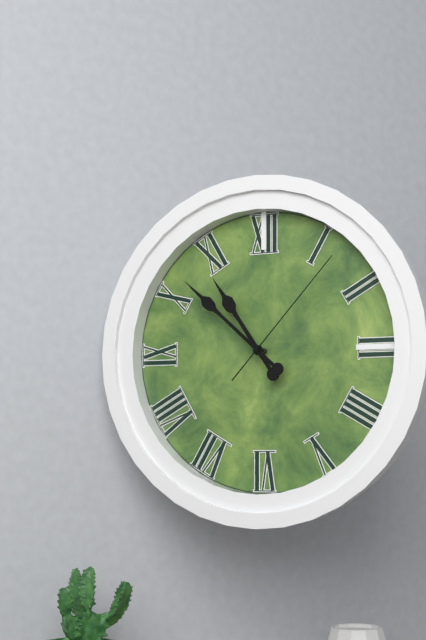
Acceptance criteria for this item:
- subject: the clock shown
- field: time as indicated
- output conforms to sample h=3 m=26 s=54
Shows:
h=10 m=52 s=7
